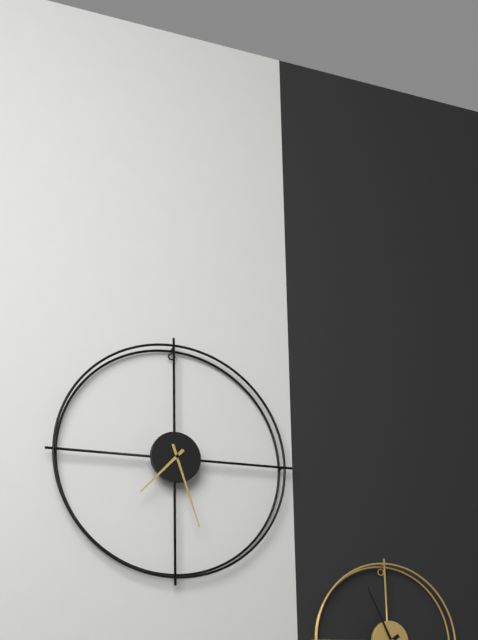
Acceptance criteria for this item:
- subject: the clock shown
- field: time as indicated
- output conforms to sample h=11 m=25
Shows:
h=7 m=27
